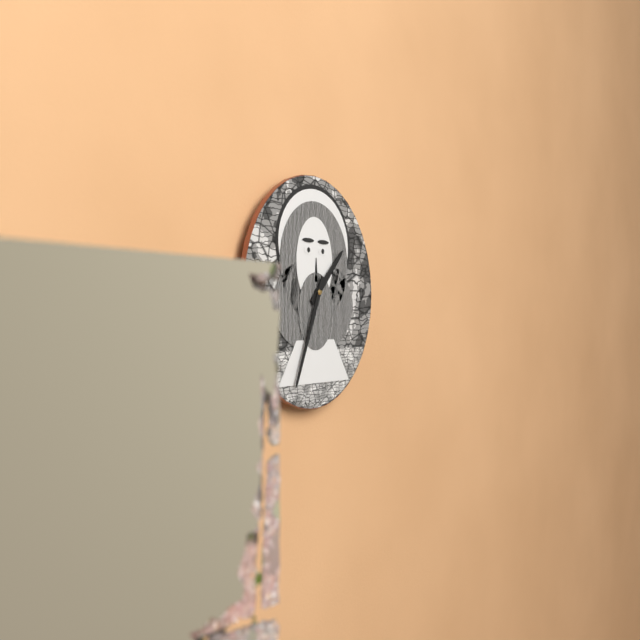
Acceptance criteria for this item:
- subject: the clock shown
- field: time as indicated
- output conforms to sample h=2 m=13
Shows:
h=1 m=34
